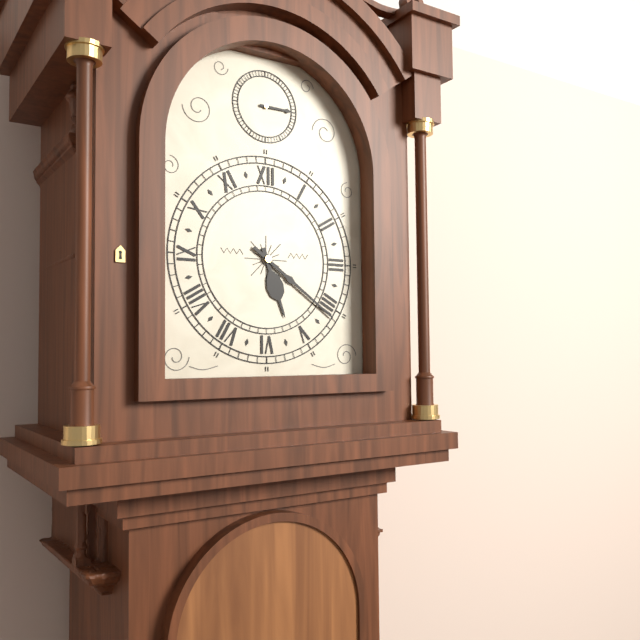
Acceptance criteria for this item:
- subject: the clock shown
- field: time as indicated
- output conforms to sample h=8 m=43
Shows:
h=5 m=21
